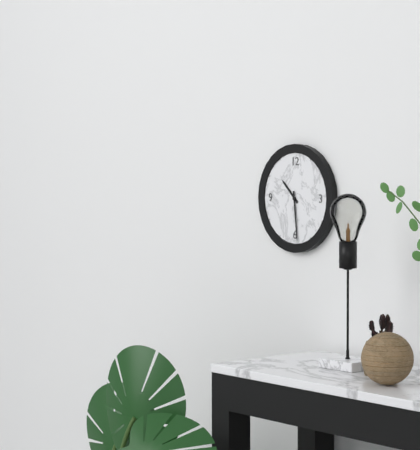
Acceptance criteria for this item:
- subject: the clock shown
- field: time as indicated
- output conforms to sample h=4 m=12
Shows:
h=10 m=29
